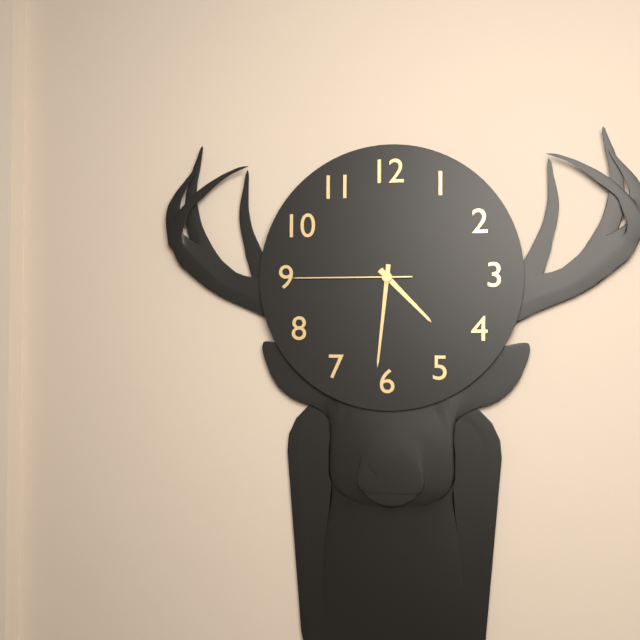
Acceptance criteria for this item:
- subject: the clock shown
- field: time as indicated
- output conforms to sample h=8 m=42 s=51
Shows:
h=4 m=31 s=45
